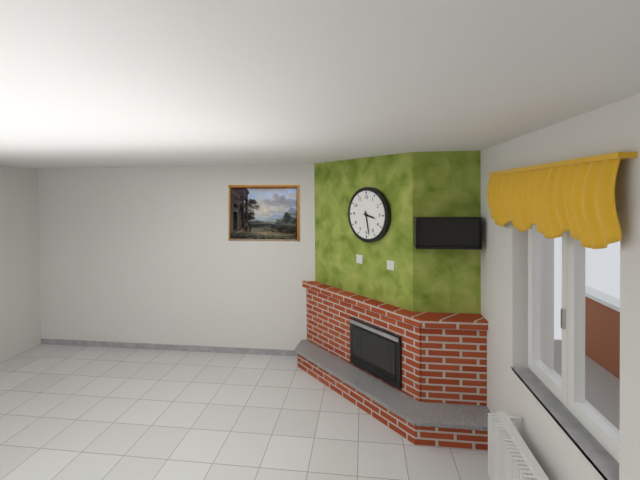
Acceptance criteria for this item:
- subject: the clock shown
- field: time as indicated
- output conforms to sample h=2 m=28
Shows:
h=3 m=28
